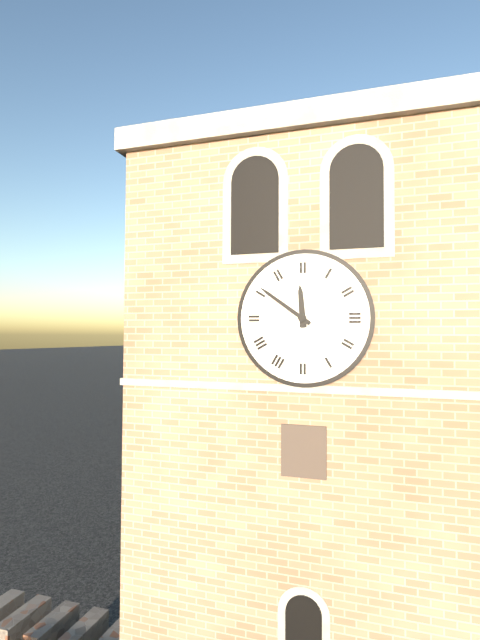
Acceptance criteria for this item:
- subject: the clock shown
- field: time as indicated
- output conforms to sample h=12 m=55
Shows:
h=11 m=51
